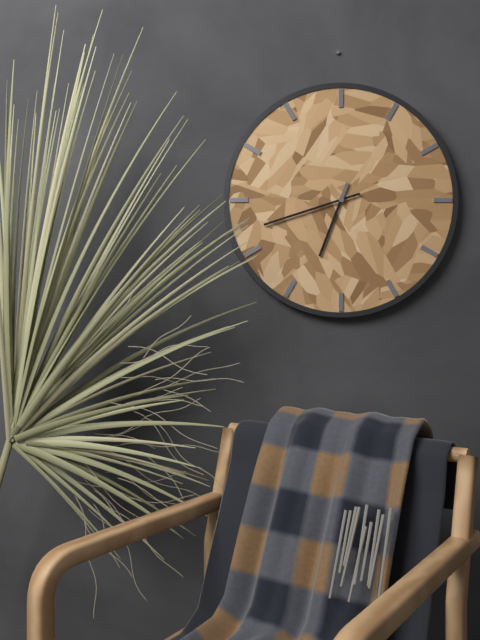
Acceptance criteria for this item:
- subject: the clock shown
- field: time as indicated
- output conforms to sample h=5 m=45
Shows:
h=6 m=42
